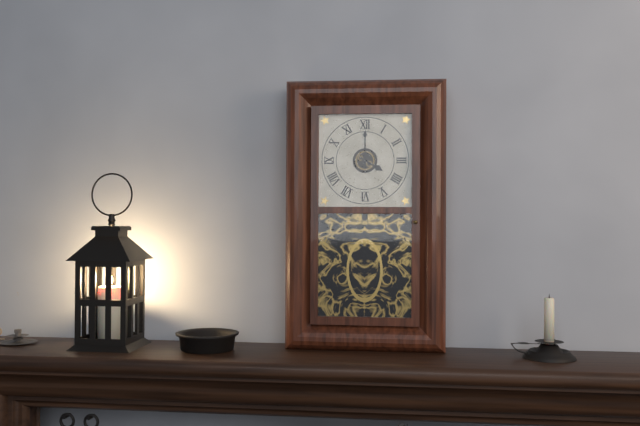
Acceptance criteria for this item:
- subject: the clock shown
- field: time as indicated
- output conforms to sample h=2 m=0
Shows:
h=4 m=0
